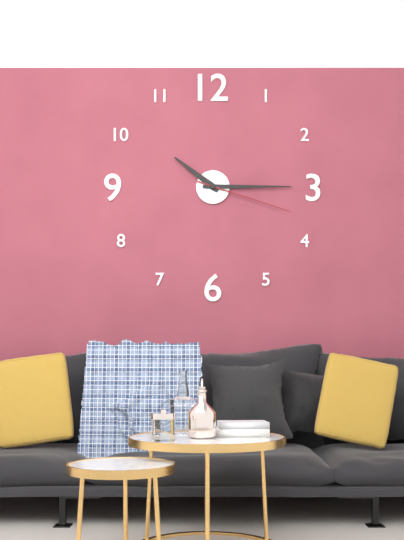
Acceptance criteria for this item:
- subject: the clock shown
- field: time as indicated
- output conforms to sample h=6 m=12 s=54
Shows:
h=10 m=15 s=18
